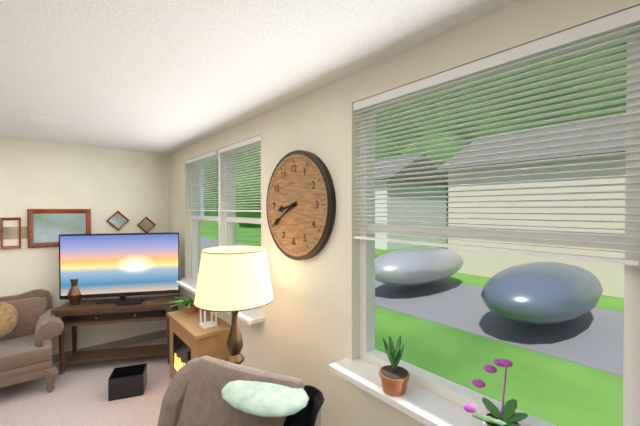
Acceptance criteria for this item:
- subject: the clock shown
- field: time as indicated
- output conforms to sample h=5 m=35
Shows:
h=8 m=40
